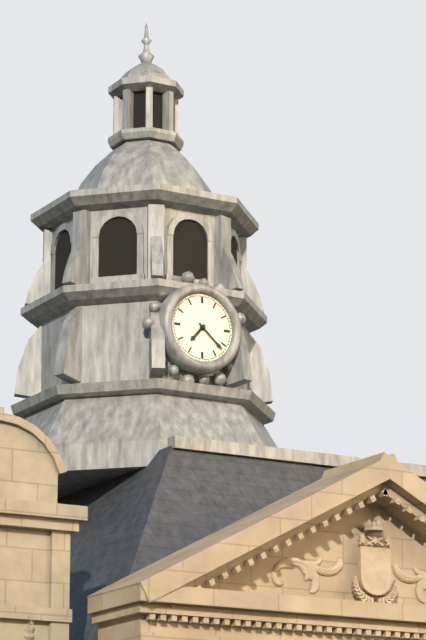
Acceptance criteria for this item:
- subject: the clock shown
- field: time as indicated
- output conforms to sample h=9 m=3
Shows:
h=7 m=22
